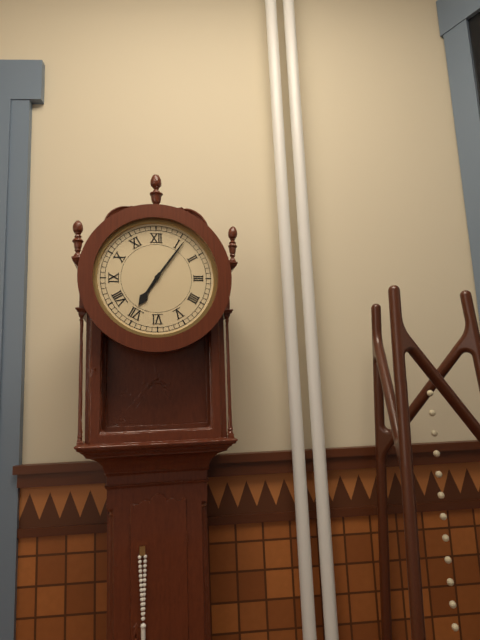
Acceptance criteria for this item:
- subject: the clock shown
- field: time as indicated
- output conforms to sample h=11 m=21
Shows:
h=7 m=6
